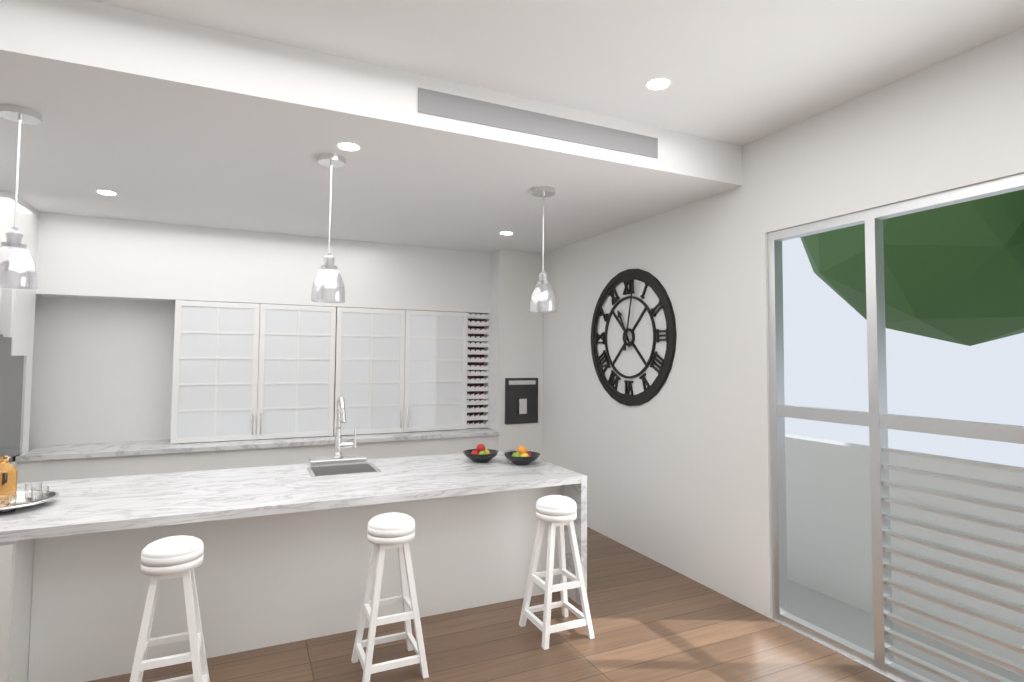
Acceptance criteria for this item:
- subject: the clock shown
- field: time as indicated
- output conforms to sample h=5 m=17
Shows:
h=11 m=2
